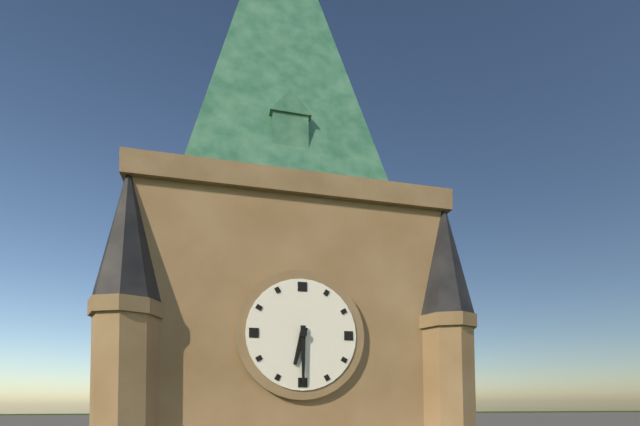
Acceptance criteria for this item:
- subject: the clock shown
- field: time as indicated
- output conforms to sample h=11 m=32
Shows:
h=6 m=30
